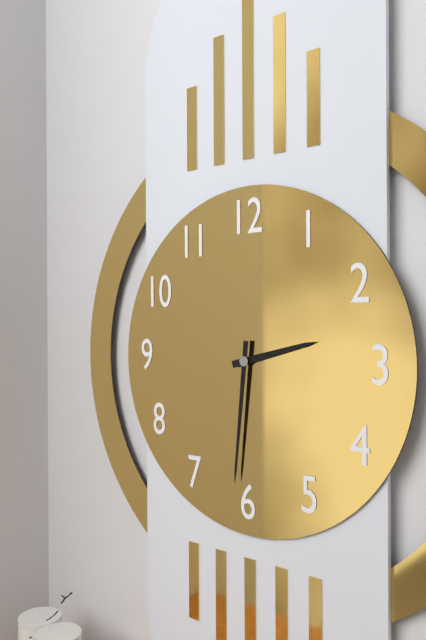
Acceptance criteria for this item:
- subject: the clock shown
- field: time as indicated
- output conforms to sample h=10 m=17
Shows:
h=2 m=31
